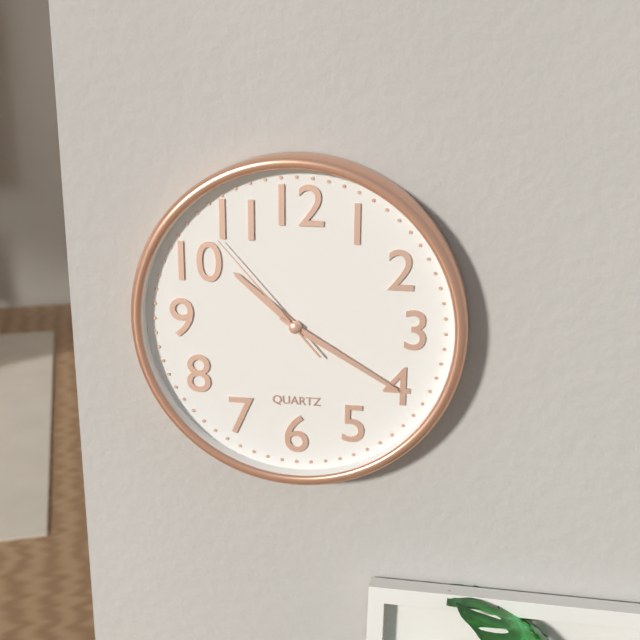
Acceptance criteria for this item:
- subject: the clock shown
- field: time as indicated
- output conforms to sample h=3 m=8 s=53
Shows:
h=10 m=20 s=53
